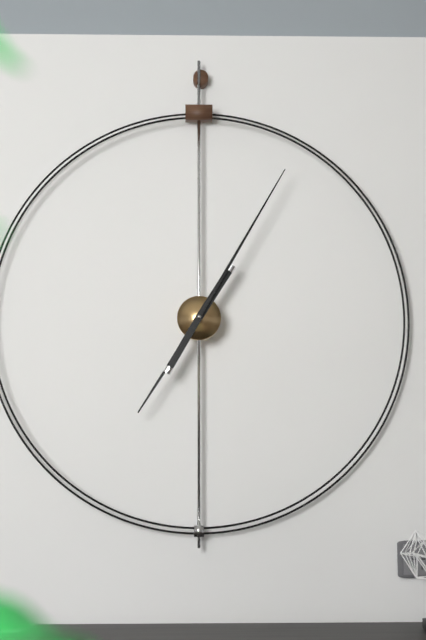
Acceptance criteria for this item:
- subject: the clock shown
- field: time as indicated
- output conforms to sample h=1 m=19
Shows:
h=7 m=5
